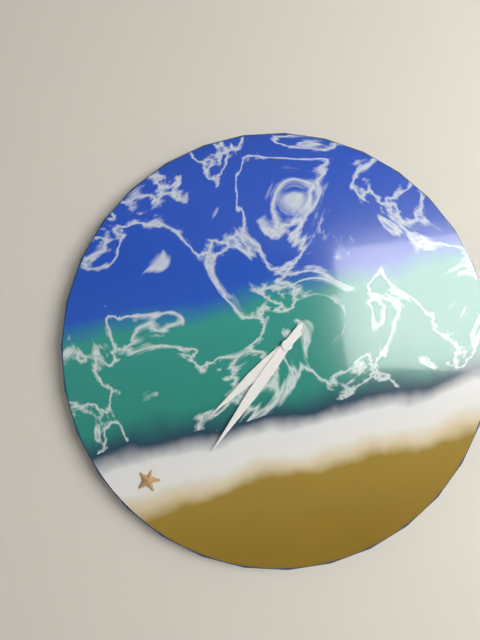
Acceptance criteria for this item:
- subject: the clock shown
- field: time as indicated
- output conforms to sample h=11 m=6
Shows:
h=7 m=36
